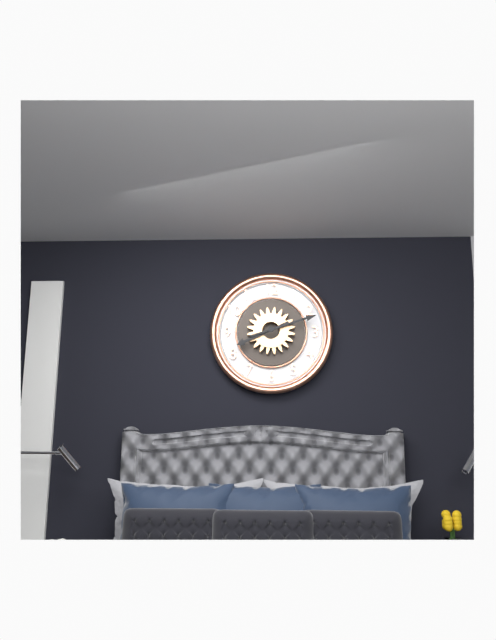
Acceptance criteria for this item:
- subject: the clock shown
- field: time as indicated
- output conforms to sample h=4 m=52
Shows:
h=8 m=12
